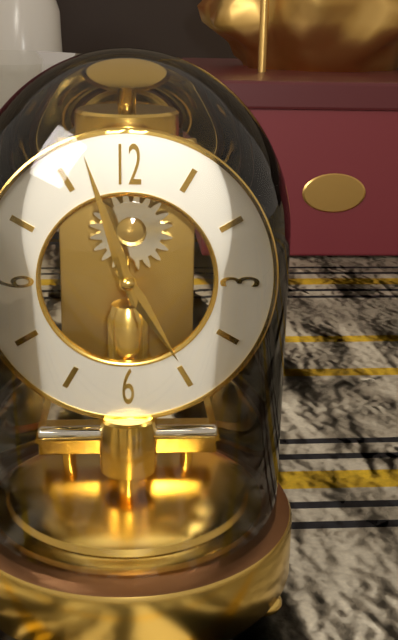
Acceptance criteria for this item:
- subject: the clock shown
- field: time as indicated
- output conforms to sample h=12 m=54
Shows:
h=4 m=57
